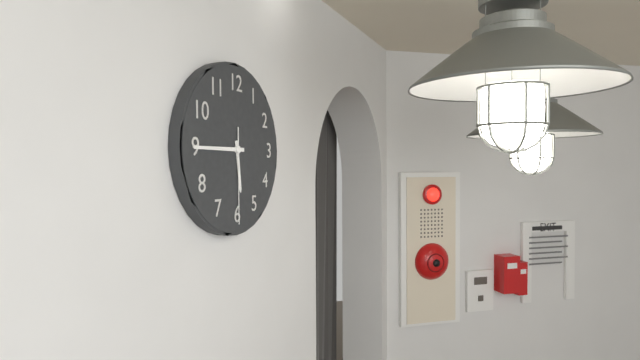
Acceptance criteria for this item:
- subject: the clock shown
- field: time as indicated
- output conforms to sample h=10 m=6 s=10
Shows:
h=5 m=45 s=30
